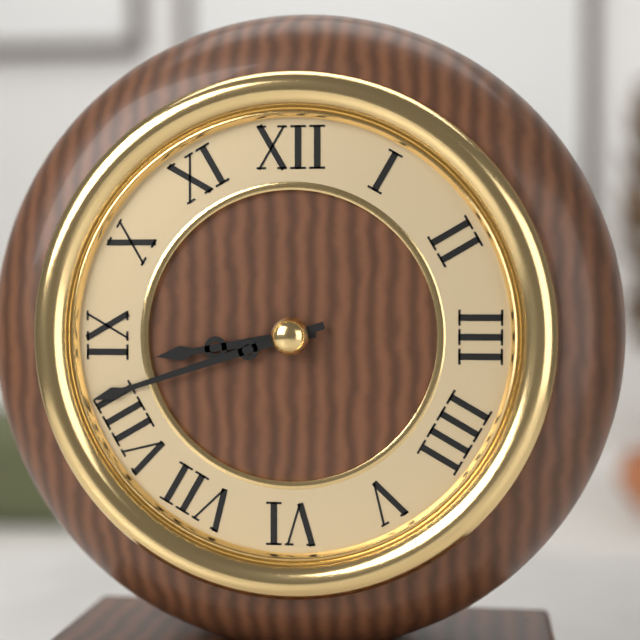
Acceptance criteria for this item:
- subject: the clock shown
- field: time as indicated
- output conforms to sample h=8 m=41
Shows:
h=8 m=42
